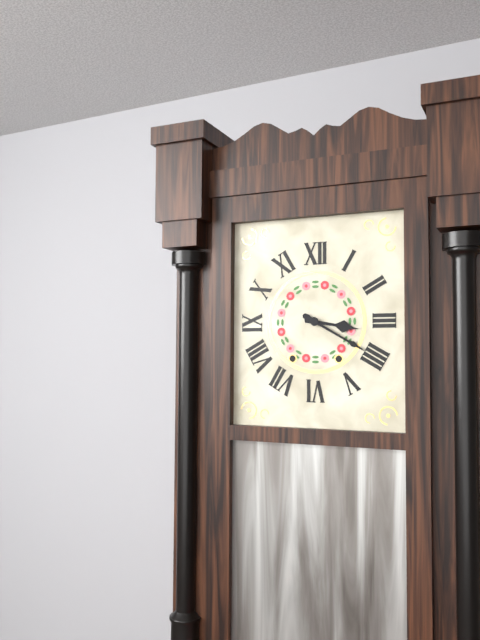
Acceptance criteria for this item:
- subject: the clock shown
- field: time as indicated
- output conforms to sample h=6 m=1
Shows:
h=3 m=20
